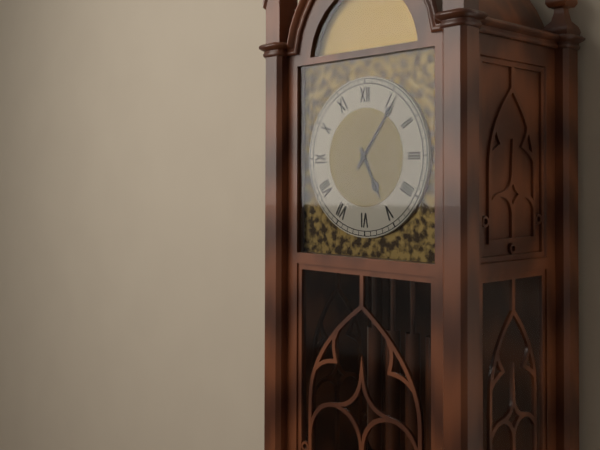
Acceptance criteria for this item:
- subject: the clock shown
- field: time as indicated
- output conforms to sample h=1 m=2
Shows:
h=5 m=6
